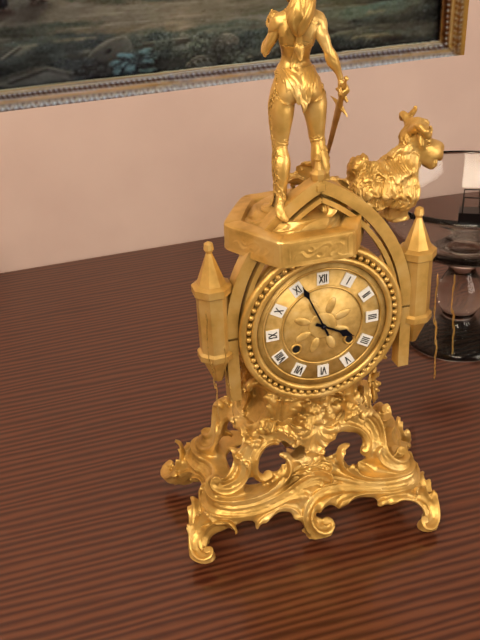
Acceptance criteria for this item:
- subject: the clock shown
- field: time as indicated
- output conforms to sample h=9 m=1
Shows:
h=3 m=56
